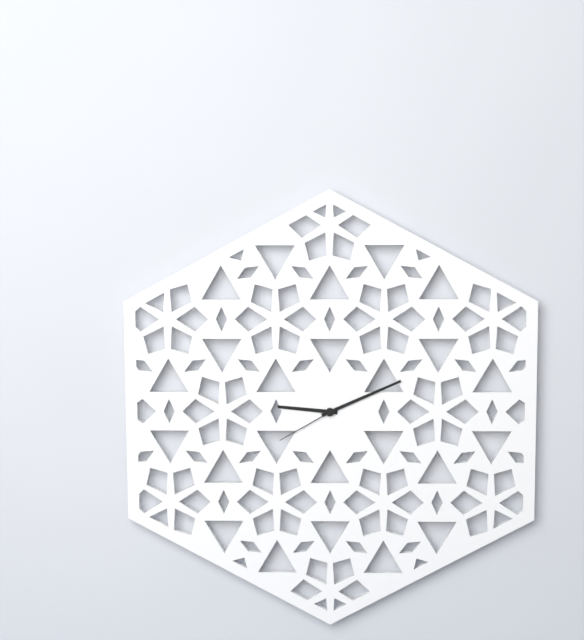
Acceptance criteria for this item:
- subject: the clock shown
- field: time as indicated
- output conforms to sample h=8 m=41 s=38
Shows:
h=9 m=11 s=40
